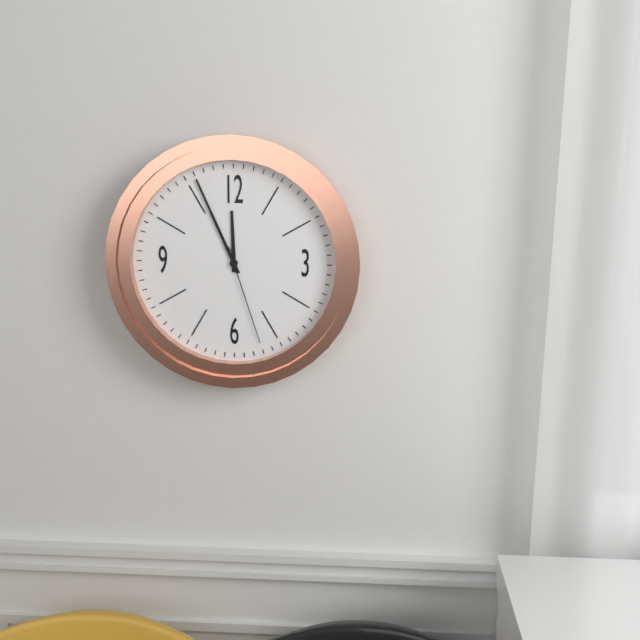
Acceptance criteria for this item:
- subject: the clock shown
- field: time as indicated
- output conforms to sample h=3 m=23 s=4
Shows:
h=11 m=56 s=27
